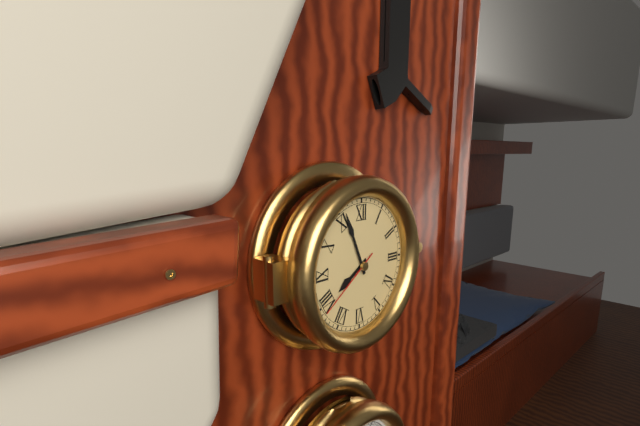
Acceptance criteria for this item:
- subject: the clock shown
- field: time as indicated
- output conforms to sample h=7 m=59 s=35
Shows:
h=7 m=56 s=39
